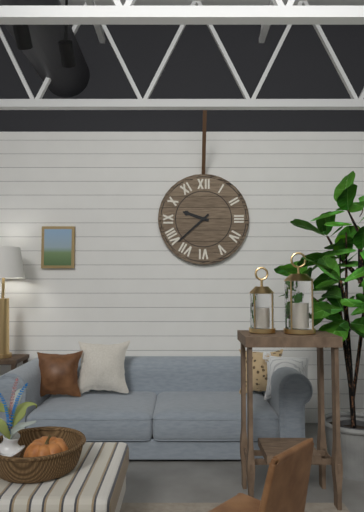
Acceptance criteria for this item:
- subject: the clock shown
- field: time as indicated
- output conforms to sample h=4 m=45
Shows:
h=9 m=38
